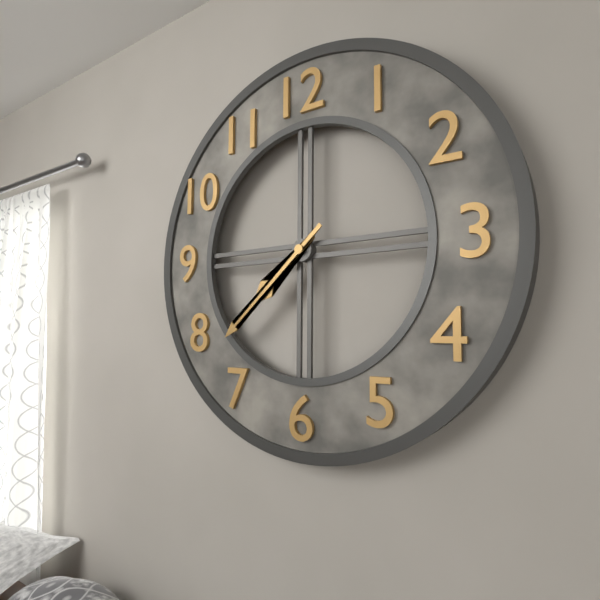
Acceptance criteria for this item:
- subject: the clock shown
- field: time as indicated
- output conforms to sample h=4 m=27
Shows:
h=7 m=38
